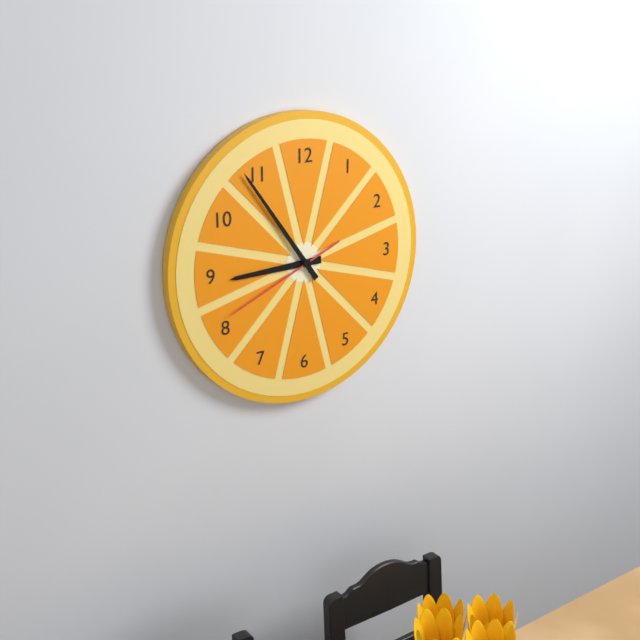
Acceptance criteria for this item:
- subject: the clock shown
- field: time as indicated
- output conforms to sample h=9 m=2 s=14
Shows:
h=8 m=54 s=41
